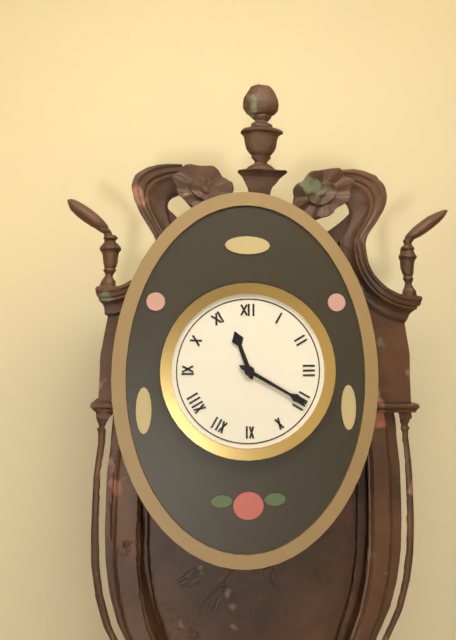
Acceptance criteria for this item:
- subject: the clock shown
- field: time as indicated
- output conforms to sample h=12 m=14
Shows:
h=11 m=20
